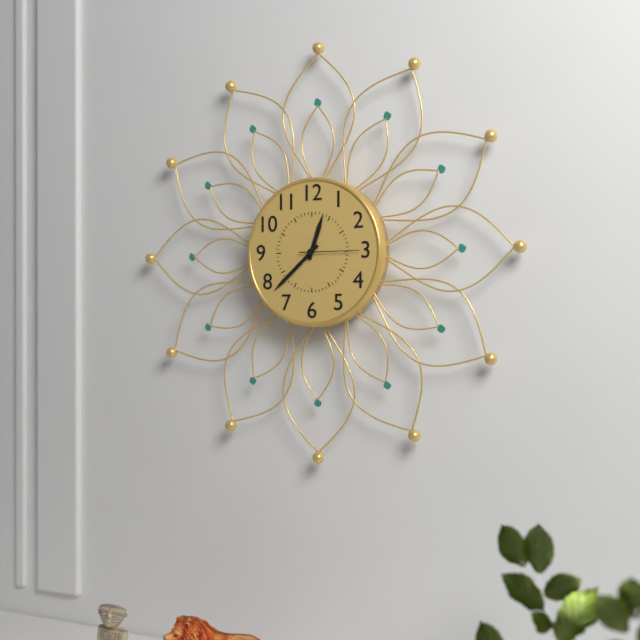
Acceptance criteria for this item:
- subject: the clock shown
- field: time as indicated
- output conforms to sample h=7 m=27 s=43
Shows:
h=12 m=38 s=15
